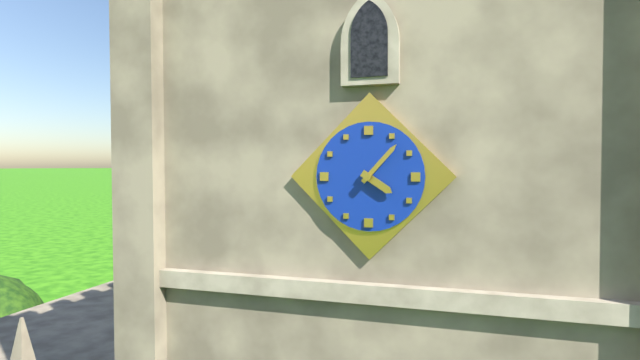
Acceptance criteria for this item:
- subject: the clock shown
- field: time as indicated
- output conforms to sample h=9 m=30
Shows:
h=4 m=7
